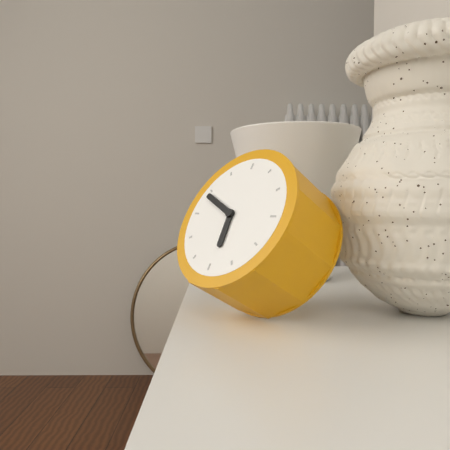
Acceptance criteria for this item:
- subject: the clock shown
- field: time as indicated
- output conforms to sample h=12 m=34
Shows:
h=5 m=49
